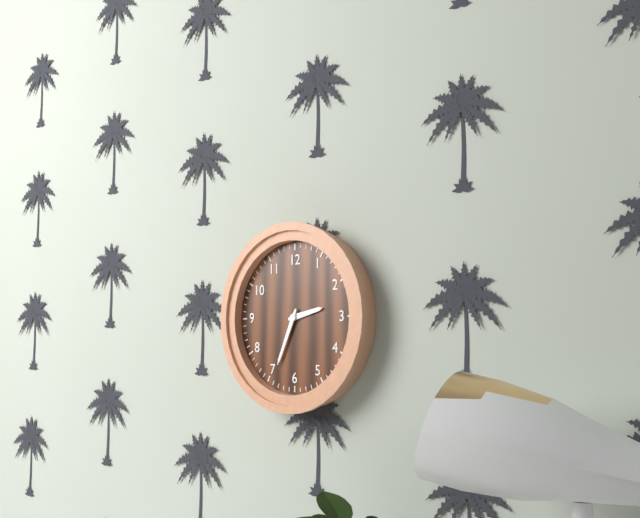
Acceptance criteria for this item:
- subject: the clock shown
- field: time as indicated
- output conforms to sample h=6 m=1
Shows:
h=2 m=34
